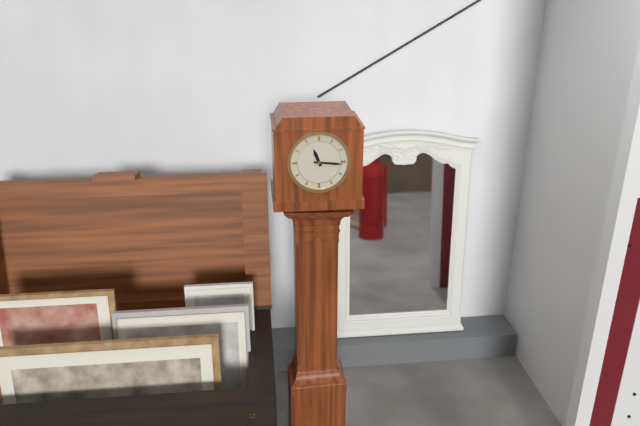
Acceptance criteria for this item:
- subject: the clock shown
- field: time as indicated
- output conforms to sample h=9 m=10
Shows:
h=11 m=16
